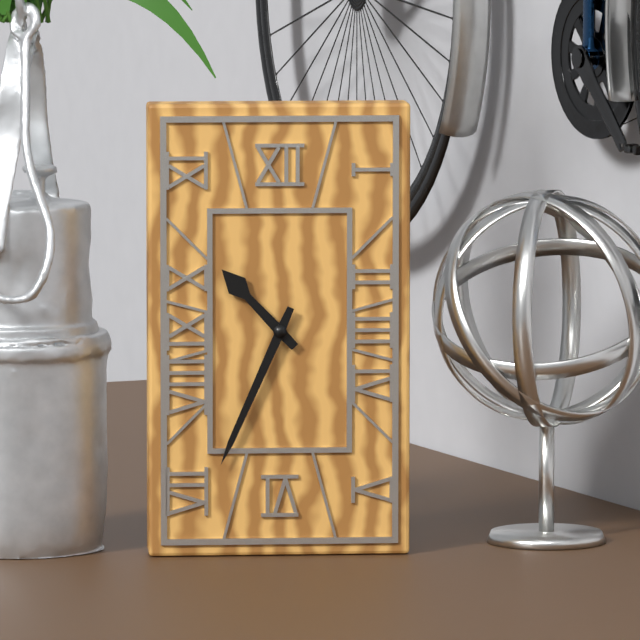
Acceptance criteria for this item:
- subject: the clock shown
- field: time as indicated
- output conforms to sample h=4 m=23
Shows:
h=10 m=34
